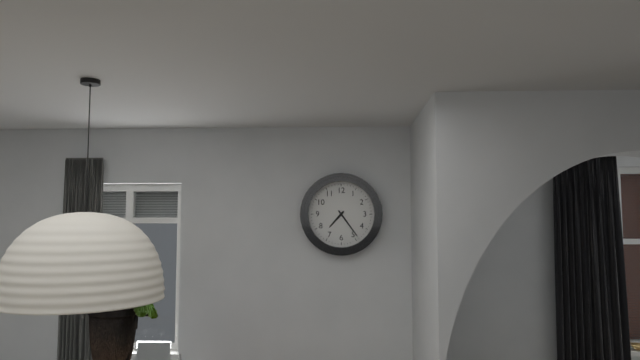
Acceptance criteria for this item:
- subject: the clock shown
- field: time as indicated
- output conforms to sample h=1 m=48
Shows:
h=7 m=24
